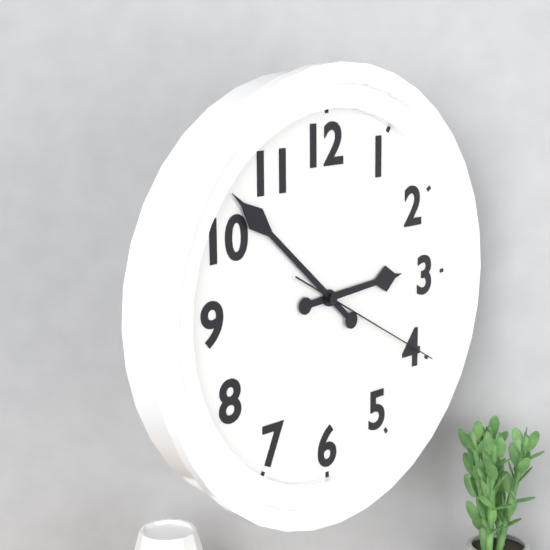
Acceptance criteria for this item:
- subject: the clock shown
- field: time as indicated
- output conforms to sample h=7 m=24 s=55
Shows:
h=2 m=52 s=20
